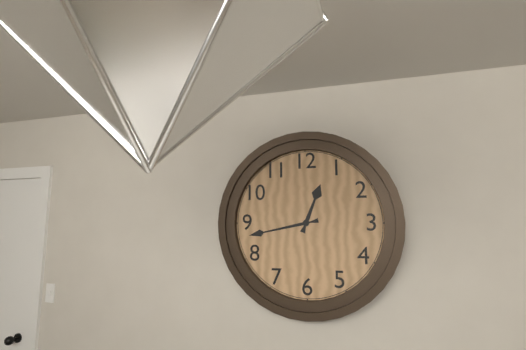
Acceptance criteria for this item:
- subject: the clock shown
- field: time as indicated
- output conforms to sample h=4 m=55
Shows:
h=12 m=43
